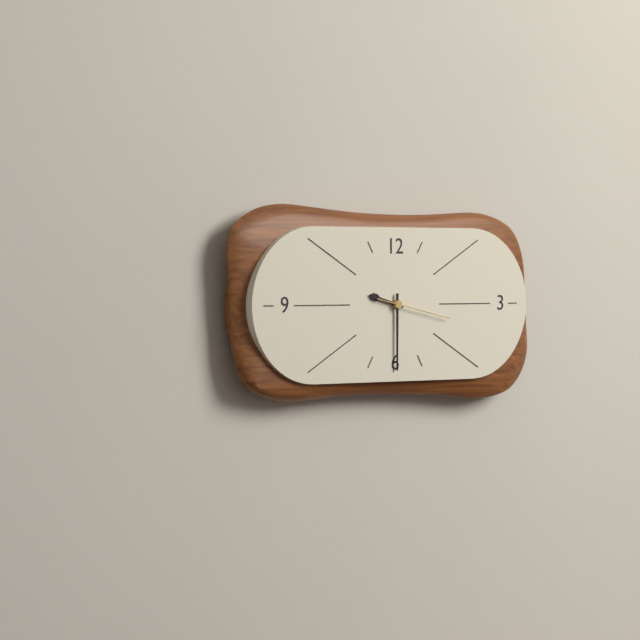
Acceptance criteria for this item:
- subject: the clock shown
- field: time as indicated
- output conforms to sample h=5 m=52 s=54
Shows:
h=9 m=30 s=17
